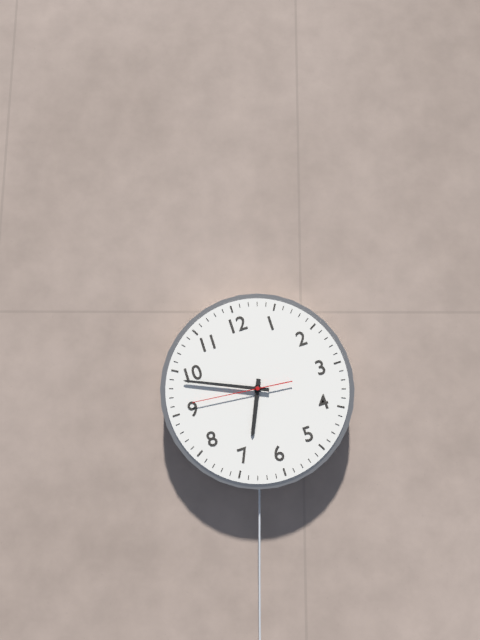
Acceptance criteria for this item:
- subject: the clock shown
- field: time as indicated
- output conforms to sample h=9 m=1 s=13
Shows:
h=6 m=49 s=46
